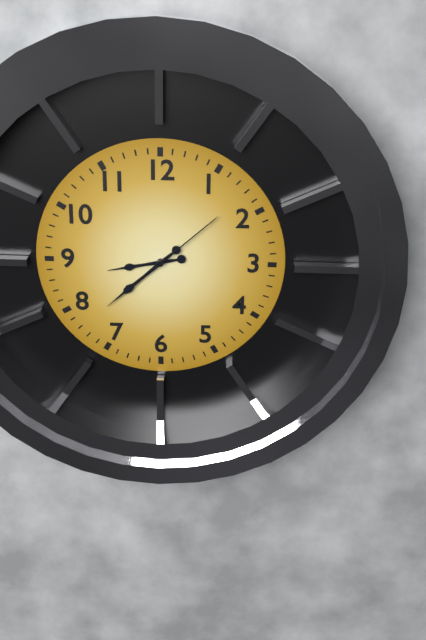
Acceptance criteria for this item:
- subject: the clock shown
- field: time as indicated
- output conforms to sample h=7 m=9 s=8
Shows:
h=8 m=38 s=8
